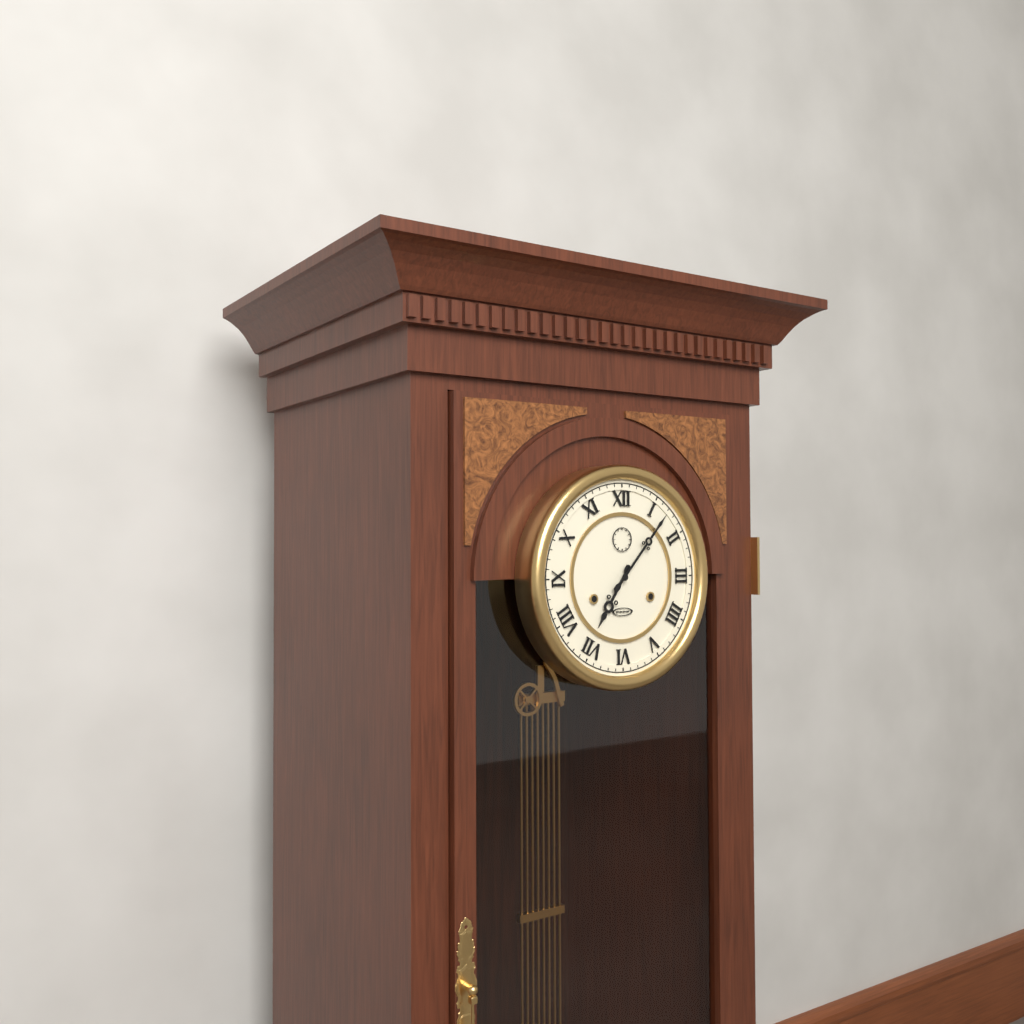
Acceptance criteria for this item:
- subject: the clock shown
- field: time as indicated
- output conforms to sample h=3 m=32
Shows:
h=7 m=7
